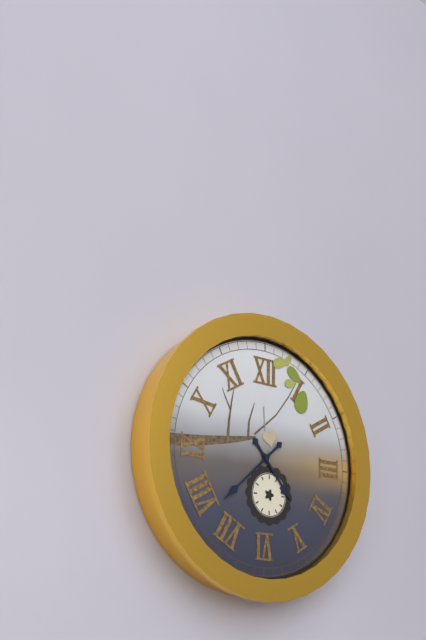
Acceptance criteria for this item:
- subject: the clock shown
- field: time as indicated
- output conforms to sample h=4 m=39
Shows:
h=4 m=38
